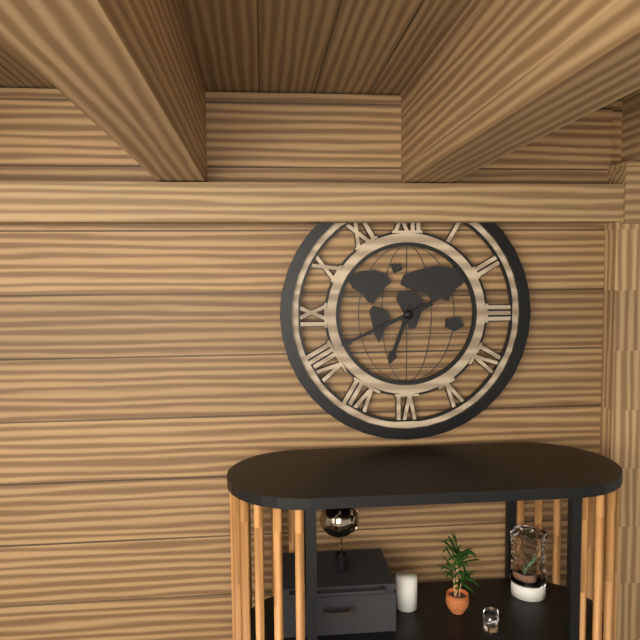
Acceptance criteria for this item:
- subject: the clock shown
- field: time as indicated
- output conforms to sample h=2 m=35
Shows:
h=6 m=41
